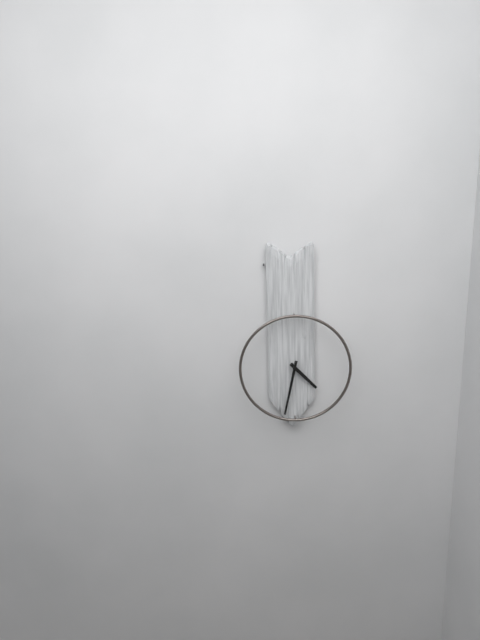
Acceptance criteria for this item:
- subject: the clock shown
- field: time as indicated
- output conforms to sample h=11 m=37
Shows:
h=4 m=32
